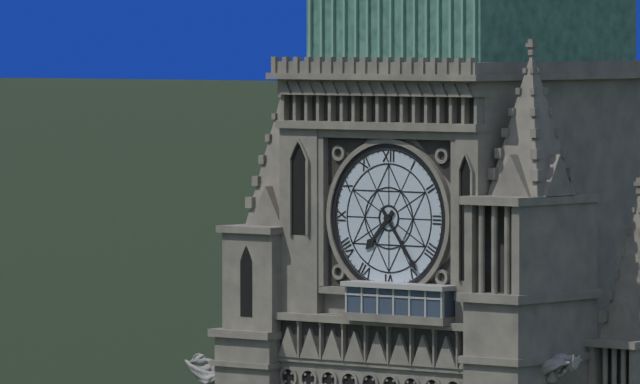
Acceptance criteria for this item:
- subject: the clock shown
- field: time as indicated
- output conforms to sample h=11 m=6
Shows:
h=7 m=24
